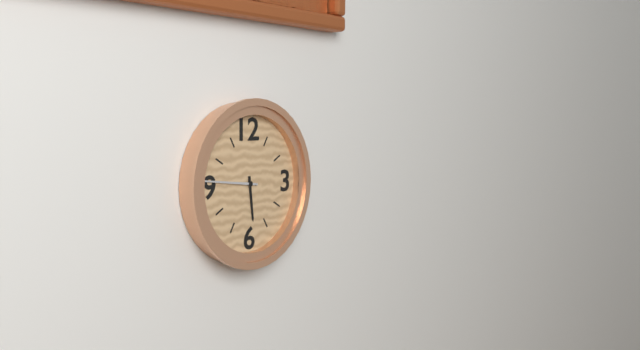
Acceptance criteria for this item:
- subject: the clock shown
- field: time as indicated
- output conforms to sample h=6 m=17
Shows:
h=5 m=46
